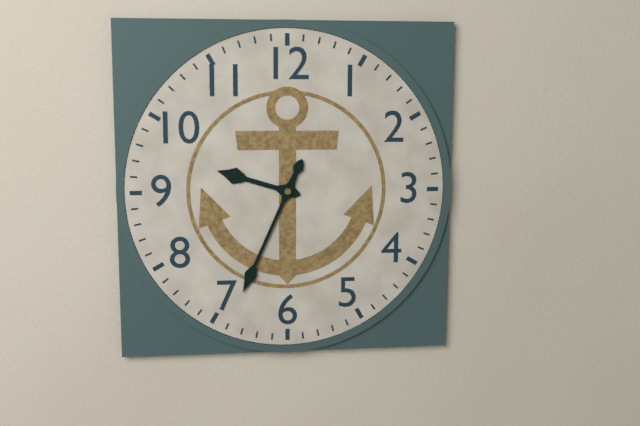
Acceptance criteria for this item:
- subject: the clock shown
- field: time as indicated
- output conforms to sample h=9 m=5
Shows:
h=9 m=34
